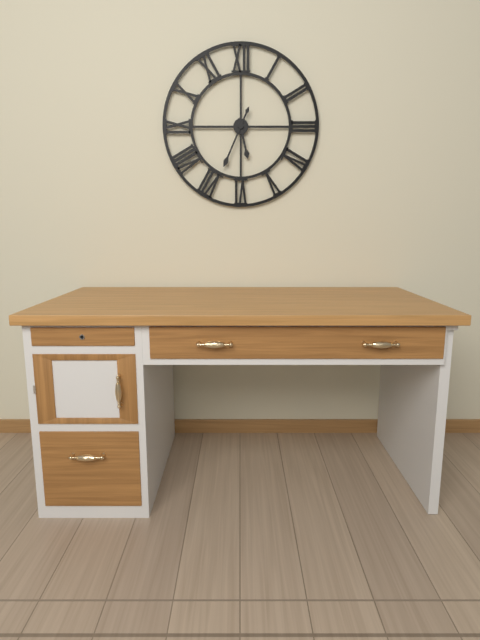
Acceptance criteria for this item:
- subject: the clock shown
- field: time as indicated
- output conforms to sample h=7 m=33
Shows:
h=5 m=34
